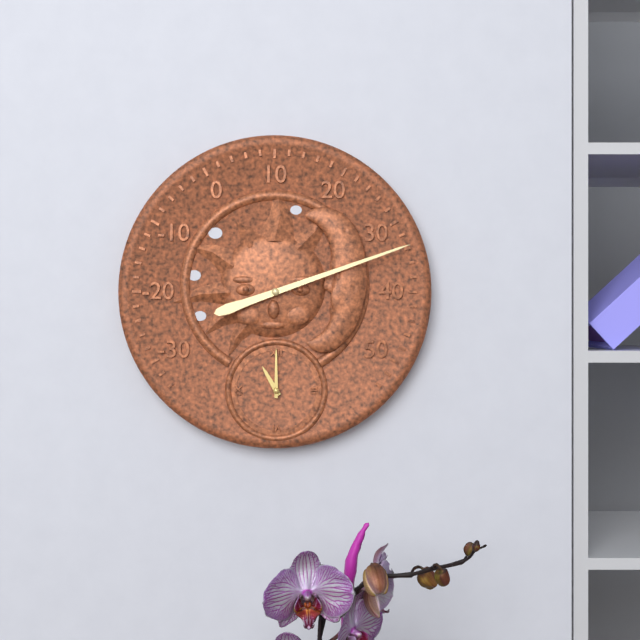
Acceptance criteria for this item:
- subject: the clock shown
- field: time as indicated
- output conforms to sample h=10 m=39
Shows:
h=11 m=0
